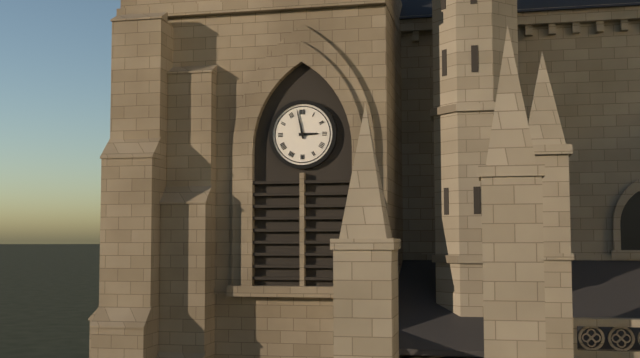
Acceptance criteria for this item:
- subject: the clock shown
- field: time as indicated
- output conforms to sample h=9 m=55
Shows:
h=2 m=58
